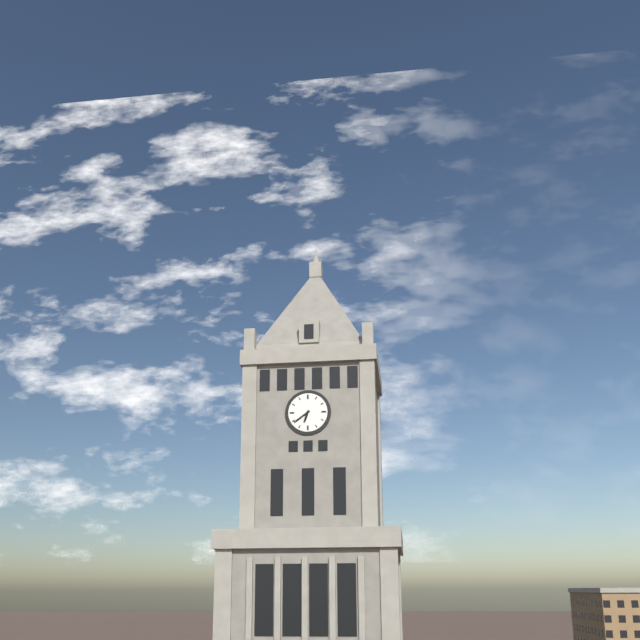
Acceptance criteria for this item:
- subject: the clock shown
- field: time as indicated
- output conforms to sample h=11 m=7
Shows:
h=6 m=39
